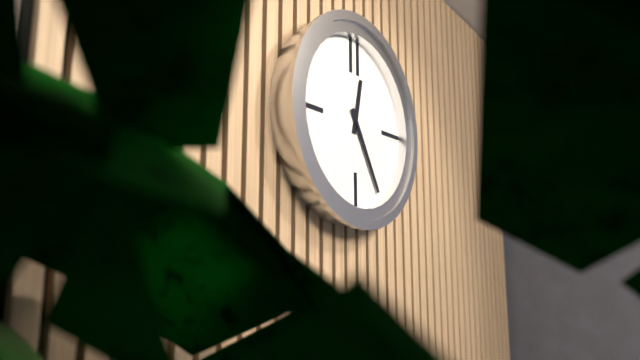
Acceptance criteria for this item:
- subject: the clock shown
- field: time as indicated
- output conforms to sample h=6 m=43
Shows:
h=12 m=25
